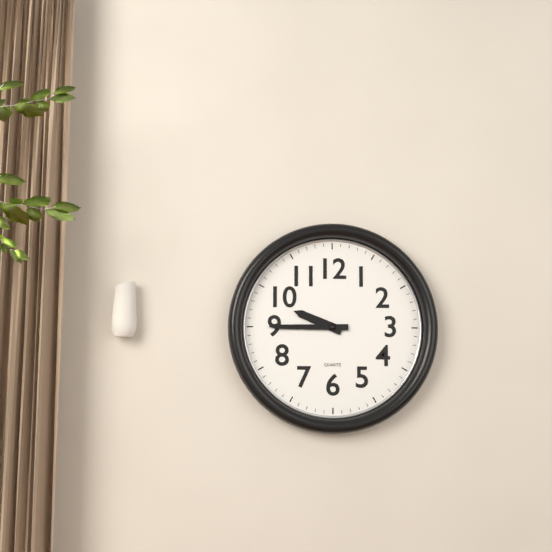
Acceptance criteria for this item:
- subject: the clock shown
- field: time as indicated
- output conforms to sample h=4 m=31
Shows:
h=9 m=45
